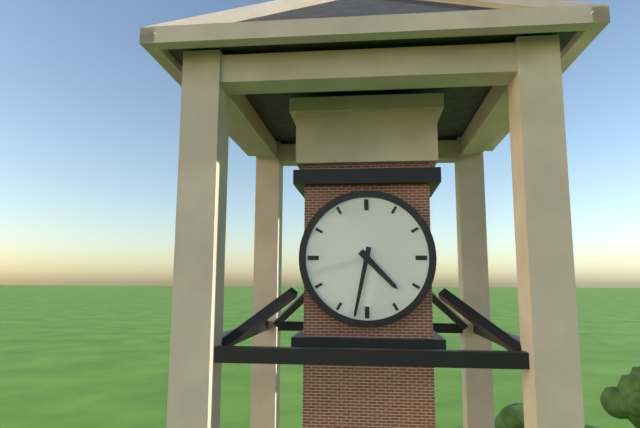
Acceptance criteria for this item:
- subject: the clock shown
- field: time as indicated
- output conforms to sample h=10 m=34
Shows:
h=4 m=32
